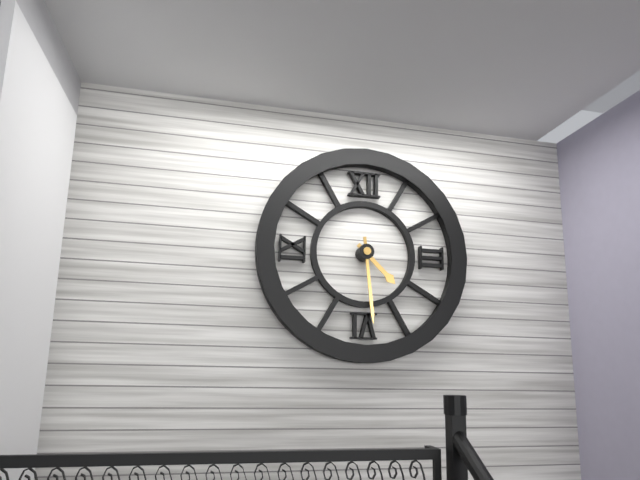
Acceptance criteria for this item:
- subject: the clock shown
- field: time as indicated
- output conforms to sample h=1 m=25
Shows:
h=4 m=29
